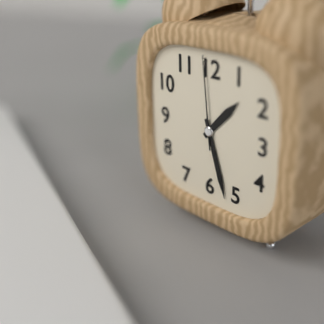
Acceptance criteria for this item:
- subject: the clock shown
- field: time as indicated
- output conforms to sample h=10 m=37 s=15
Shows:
h=1 m=27 s=59
